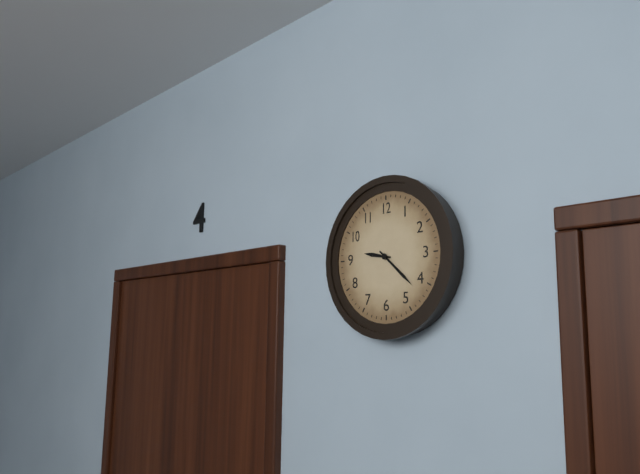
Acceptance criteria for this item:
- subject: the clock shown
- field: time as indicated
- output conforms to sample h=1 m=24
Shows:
h=9 m=22
